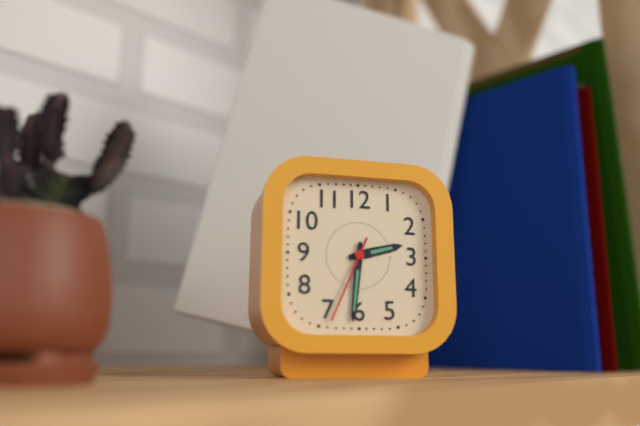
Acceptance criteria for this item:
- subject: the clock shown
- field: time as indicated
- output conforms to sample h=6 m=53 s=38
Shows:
h=2 m=31 s=34
